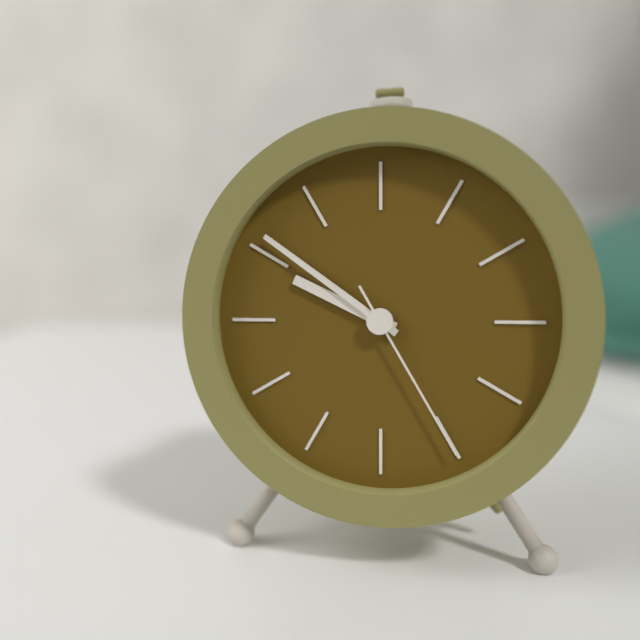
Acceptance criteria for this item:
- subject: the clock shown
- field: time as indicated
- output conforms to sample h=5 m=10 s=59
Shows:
h=9 m=51 s=25
